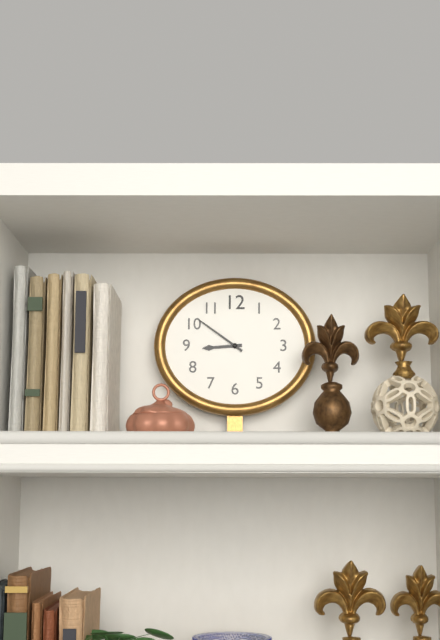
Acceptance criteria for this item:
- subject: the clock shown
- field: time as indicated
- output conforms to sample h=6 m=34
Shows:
h=8 m=51
